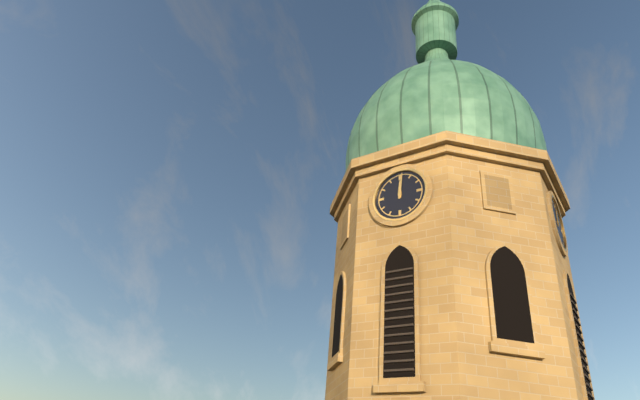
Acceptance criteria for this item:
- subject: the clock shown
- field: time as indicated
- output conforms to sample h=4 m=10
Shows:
h=12 m=1
